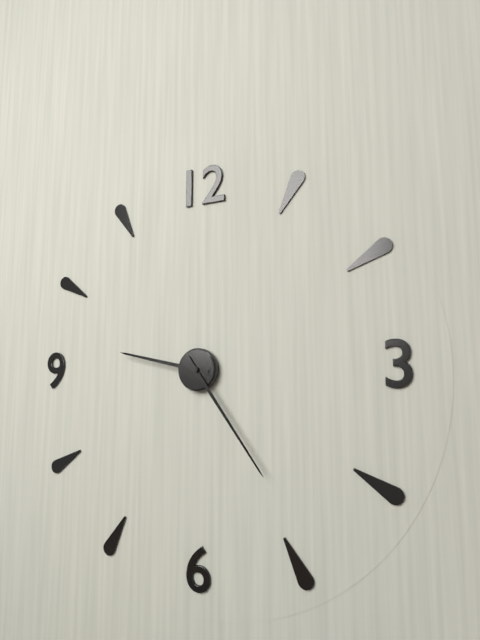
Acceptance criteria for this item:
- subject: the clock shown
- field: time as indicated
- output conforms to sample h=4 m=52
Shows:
h=9 m=24
